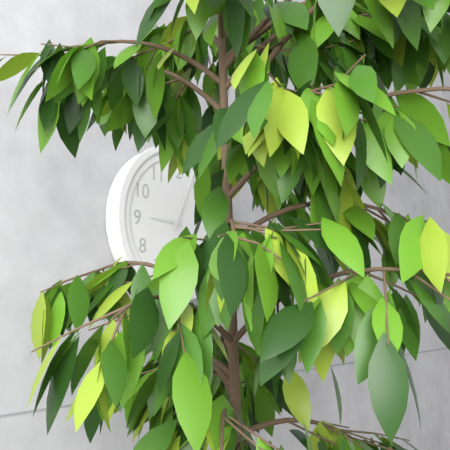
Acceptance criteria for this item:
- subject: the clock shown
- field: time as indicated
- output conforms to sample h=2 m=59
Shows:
h=9 m=4
